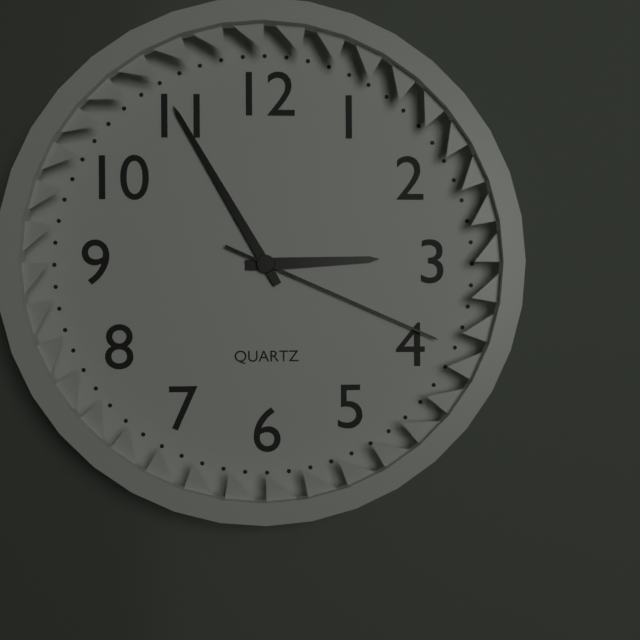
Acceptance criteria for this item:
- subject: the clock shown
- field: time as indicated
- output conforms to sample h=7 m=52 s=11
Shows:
h=2 m=55 s=19
